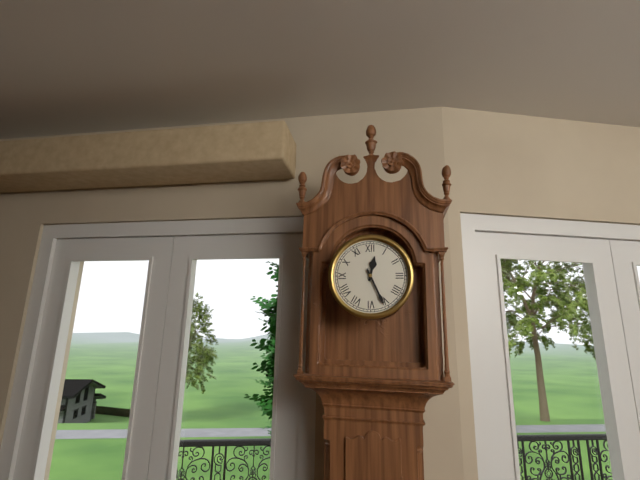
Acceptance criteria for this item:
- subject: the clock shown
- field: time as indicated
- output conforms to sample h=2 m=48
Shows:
h=12 m=26
